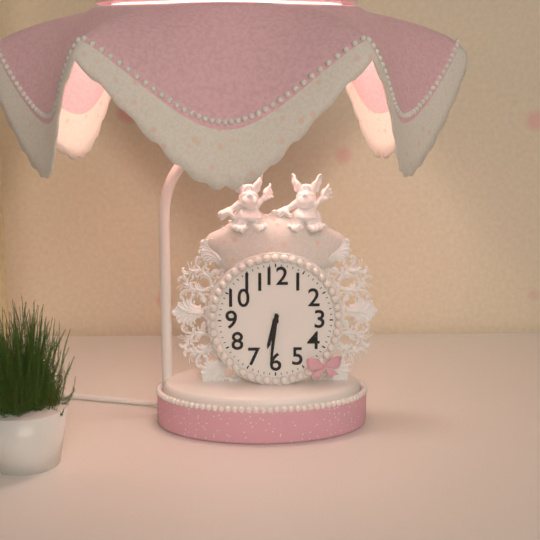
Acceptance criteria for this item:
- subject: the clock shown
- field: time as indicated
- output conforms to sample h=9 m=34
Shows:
h=6 m=31
